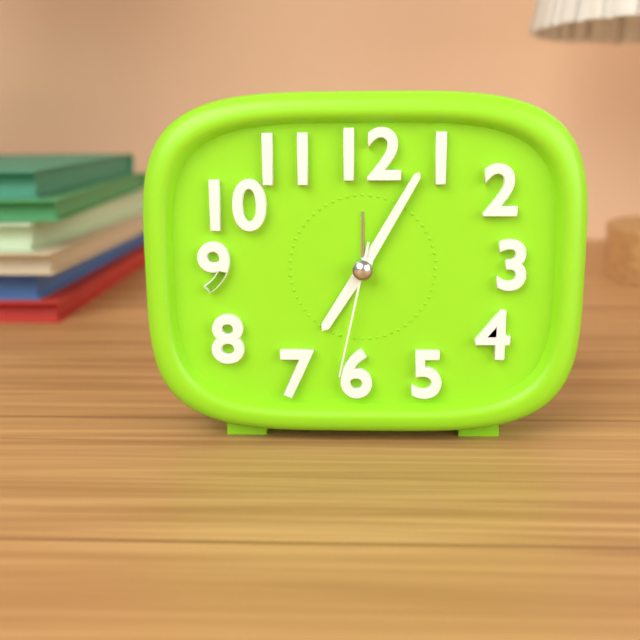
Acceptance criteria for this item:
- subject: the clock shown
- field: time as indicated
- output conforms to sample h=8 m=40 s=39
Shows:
h=7 m=5 s=32
